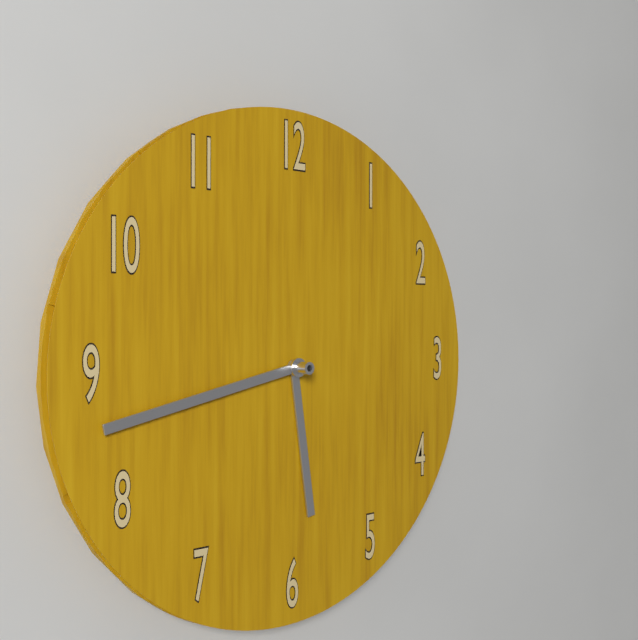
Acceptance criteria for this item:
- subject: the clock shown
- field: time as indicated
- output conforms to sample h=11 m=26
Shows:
h=5 m=43
